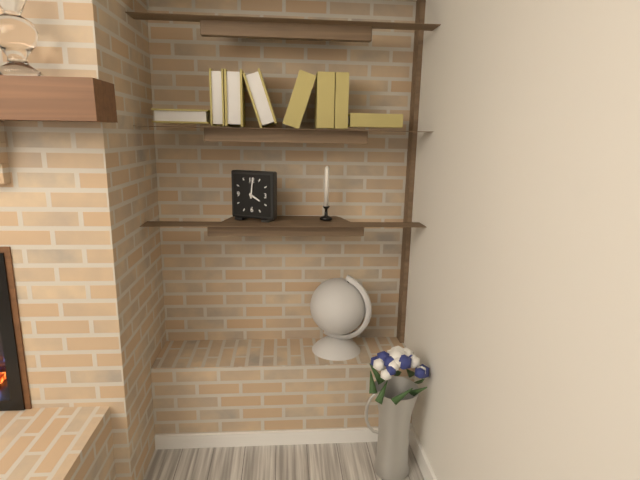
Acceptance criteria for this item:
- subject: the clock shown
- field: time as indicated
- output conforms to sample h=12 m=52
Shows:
h=4 m=1
